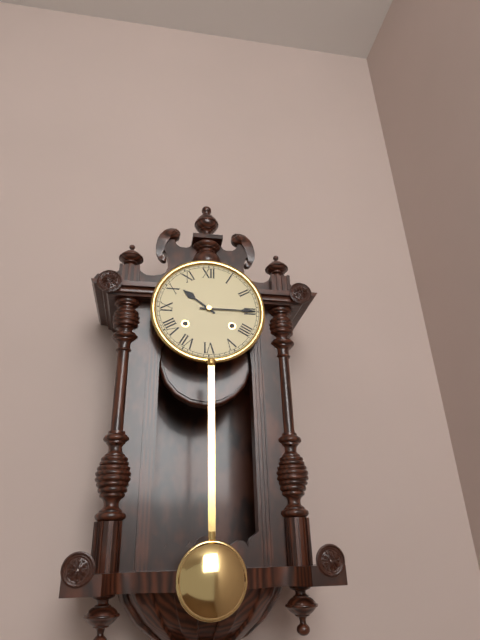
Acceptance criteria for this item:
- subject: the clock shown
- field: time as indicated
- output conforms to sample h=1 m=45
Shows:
h=10 m=15
